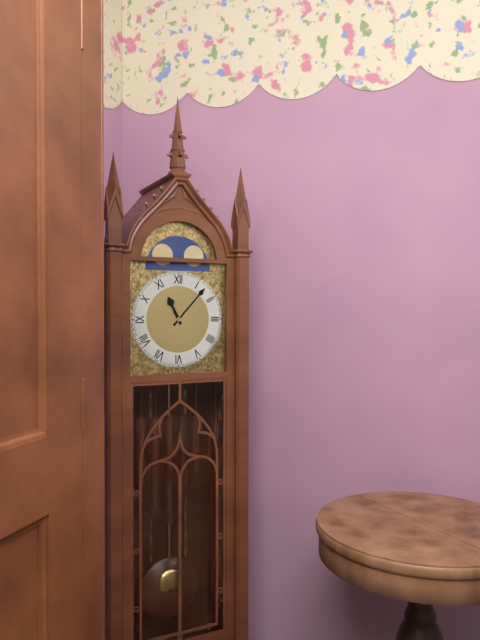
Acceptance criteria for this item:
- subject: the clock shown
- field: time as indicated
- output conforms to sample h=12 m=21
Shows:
h=11 m=7
